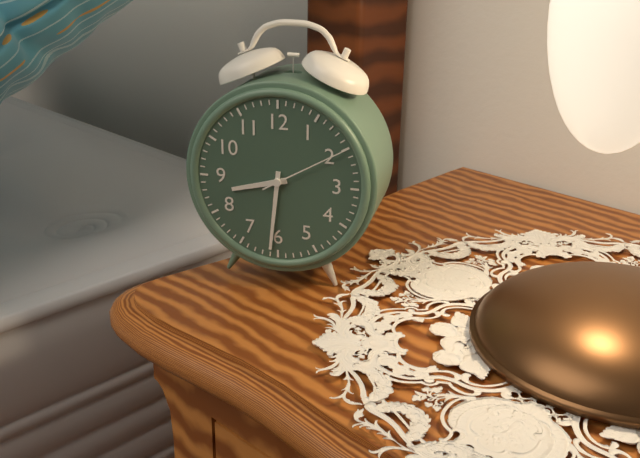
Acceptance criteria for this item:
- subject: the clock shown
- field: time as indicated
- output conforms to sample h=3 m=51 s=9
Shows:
h=8 m=31 s=10
